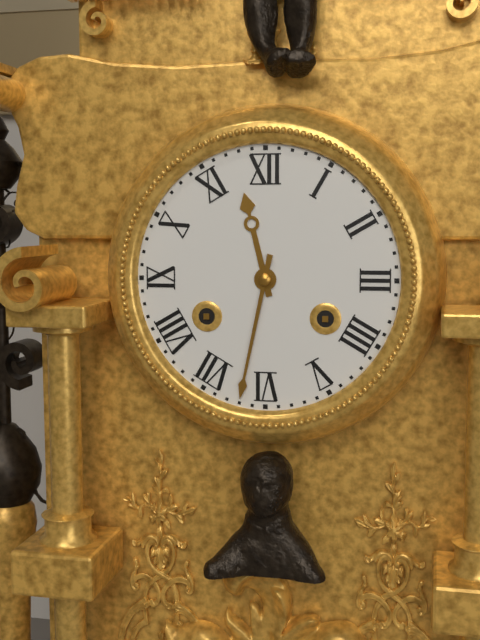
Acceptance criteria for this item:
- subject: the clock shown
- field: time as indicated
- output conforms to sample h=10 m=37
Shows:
h=11 m=32
